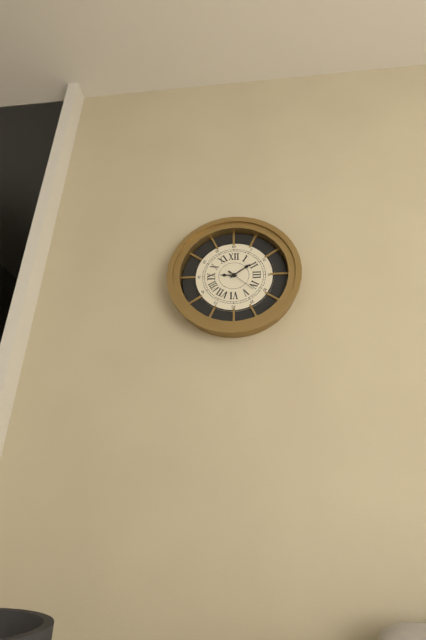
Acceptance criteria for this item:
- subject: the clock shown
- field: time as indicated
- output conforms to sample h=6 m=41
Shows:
h=9 m=9
